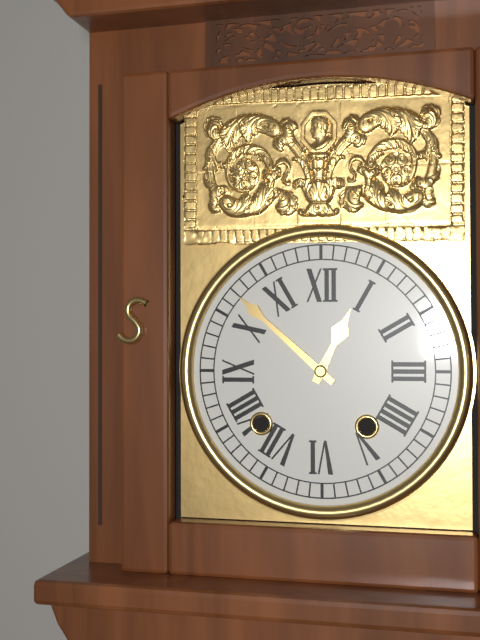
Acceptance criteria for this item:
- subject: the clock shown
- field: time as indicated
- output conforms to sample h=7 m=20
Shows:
h=12 m=52
